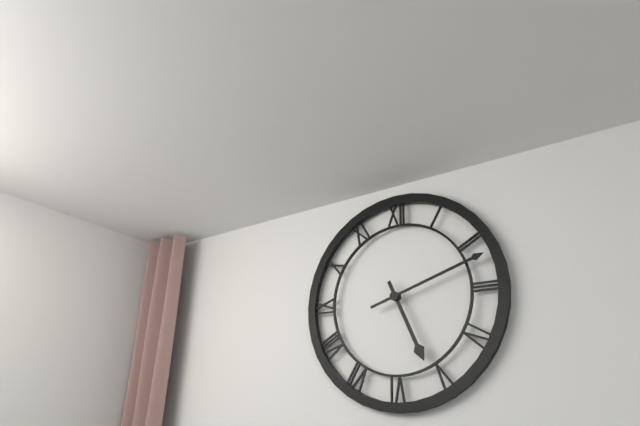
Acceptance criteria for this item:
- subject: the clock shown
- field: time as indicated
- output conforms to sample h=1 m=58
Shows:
h=5 m=12
